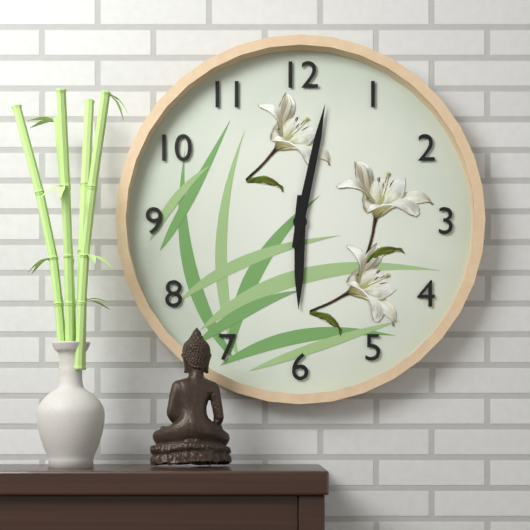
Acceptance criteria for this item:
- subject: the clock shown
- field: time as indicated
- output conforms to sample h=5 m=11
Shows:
h=6 m=2
